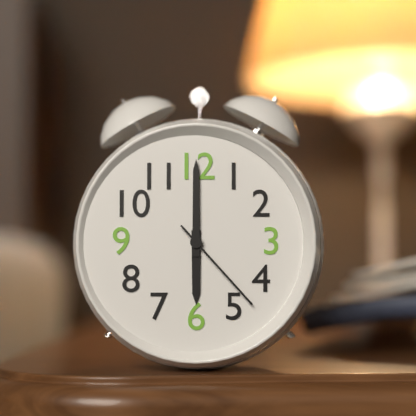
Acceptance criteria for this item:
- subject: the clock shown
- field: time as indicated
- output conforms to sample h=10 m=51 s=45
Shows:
h=6 m=0 s=23
